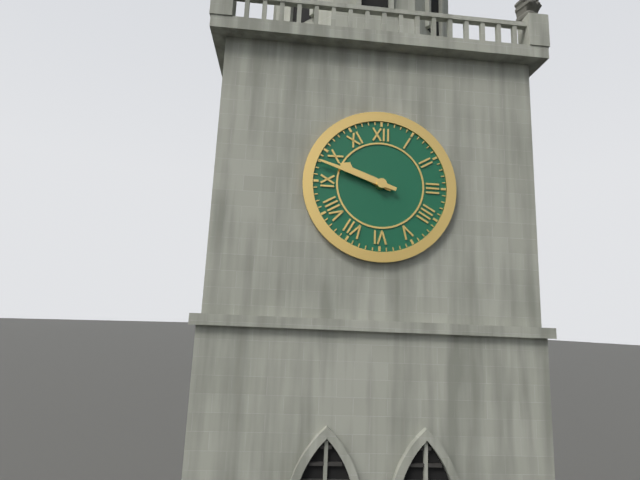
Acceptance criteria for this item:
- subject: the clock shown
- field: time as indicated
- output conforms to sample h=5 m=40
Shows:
h=9 m=48
